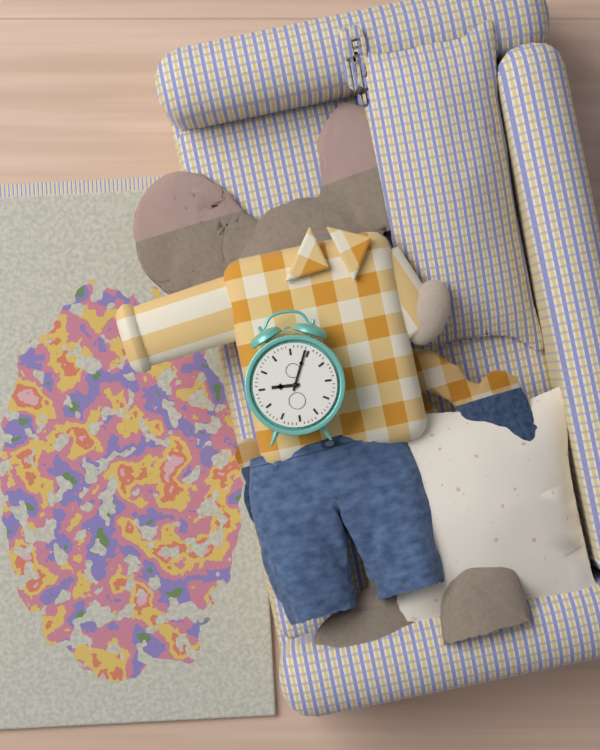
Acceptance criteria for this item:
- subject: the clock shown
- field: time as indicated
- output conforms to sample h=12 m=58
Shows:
h=9 m=4
